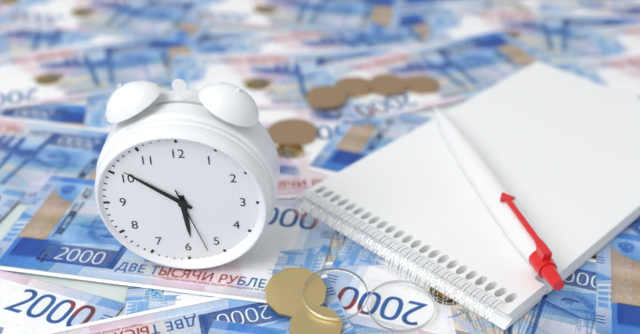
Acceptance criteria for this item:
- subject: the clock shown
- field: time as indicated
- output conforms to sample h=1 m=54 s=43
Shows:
h=5 m=51 s=27
